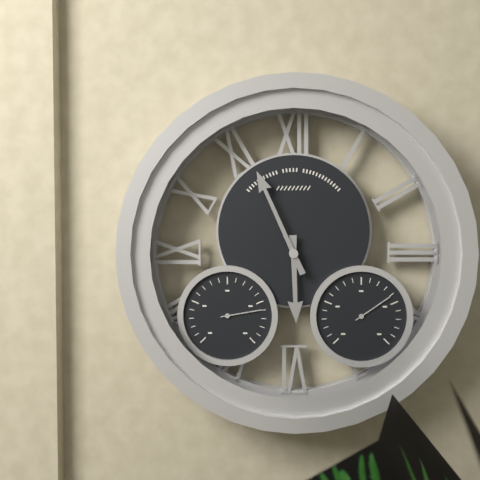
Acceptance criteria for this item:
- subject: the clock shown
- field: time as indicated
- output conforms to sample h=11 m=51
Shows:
h=5 m=56
